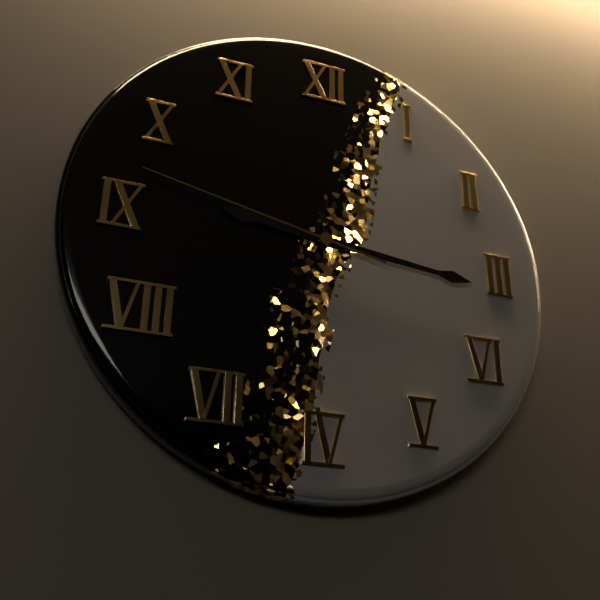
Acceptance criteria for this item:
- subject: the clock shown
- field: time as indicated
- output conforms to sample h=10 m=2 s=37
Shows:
h=9 m=16 s=47
